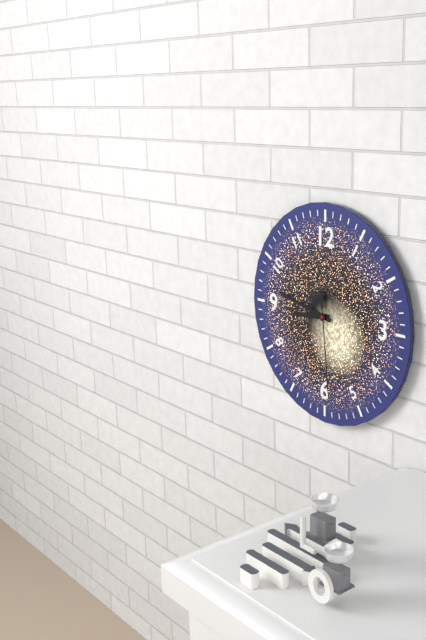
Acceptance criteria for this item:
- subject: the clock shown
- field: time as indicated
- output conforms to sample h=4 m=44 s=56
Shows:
h=8 m=47 s=29
